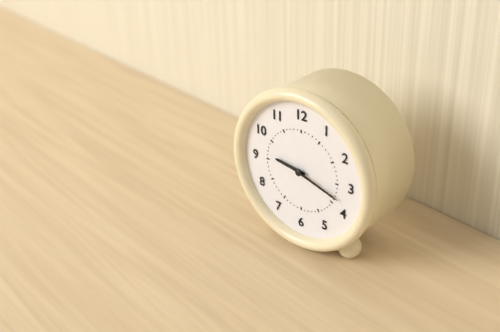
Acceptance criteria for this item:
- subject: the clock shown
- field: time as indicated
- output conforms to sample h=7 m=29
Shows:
h=9 m=18
